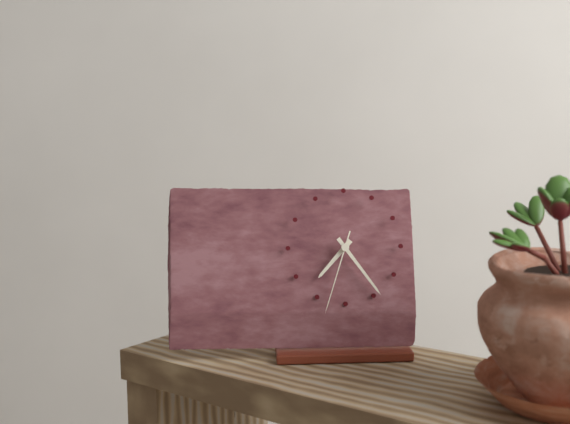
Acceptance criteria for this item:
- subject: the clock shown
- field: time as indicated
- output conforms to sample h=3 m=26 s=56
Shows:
h=7 m=24 s=33
